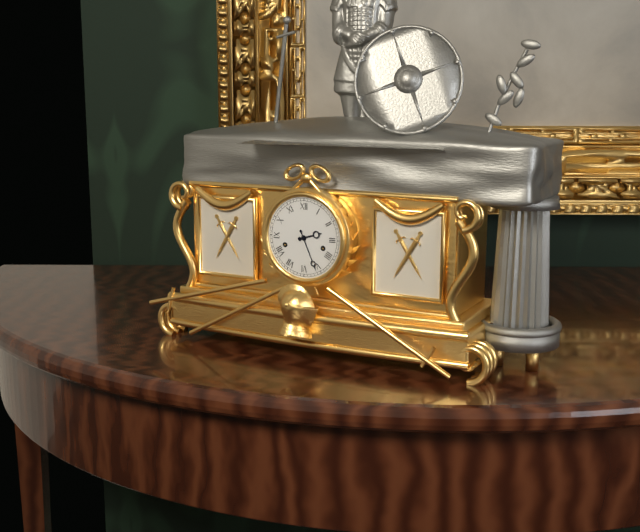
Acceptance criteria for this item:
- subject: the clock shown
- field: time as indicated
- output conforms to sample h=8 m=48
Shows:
h=2 m=26
